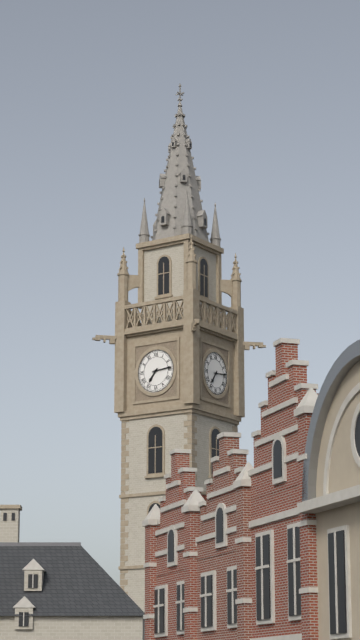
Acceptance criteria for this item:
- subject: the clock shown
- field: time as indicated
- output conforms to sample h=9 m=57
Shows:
h=7 m=14
